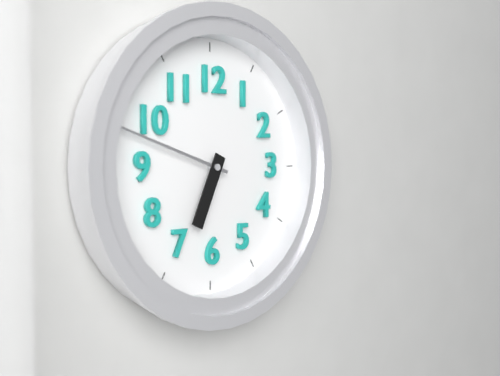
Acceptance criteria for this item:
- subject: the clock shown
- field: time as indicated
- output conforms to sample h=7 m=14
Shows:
h=6 m=48
